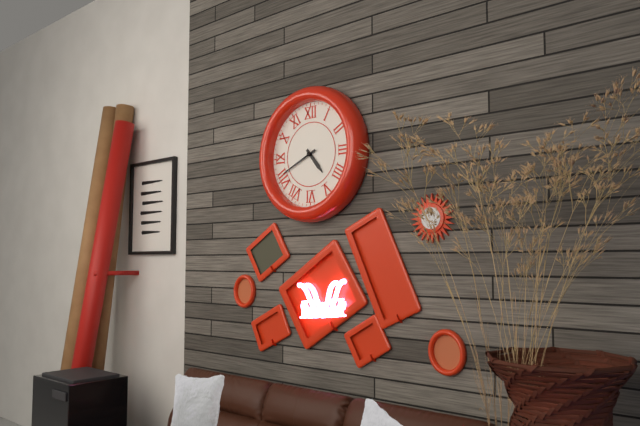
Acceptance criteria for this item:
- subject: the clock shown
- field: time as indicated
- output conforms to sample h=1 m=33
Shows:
h=4 m=41
